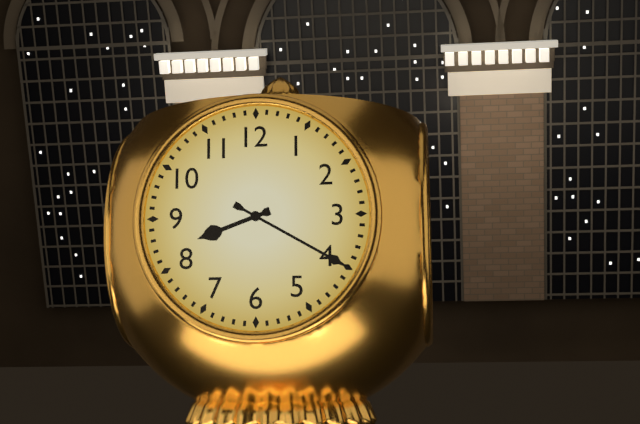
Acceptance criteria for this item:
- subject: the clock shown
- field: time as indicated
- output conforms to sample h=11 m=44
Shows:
h=8 m=20
